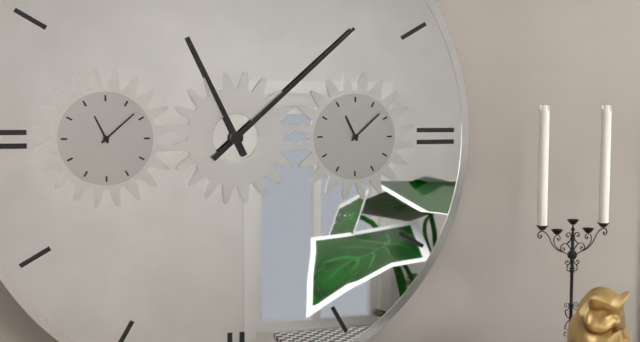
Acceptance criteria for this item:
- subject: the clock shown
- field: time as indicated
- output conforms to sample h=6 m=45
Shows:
h=11 m=8
